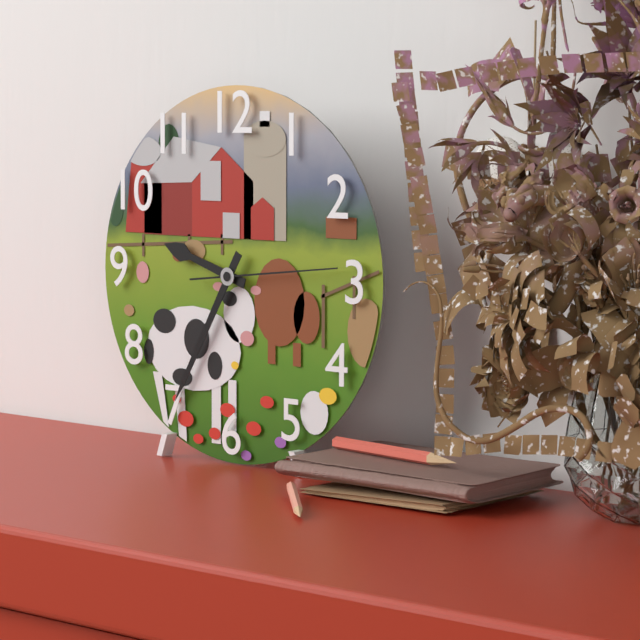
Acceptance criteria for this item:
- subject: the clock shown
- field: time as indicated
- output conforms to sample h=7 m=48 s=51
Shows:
h=9 m=35 s=14
